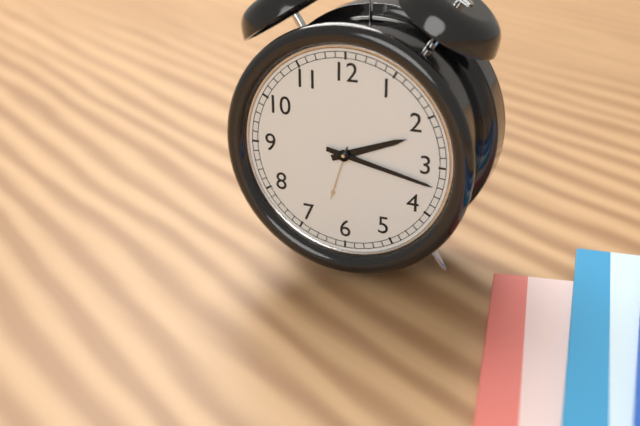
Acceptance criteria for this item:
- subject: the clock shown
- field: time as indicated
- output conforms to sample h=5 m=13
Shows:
h=2 m=17
